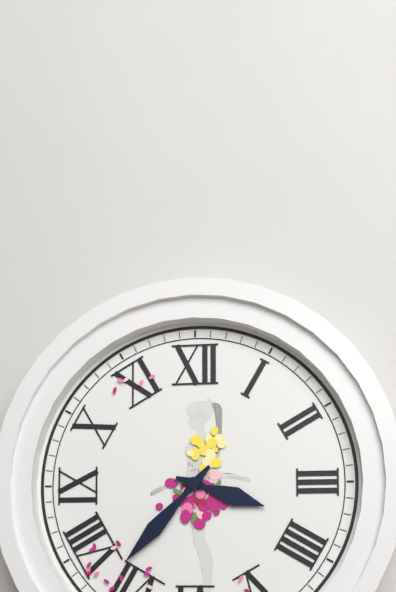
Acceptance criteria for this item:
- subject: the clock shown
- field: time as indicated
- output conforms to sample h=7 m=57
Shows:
h=3 m=37
